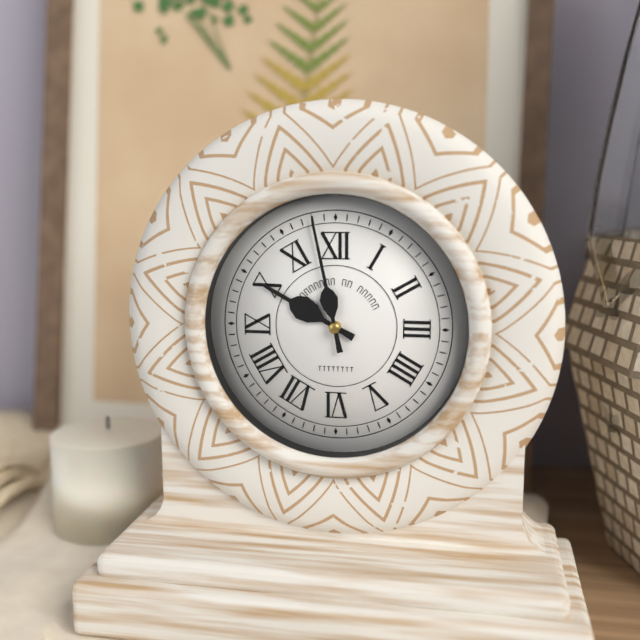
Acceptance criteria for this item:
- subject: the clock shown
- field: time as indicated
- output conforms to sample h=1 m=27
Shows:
h=9 m=58
